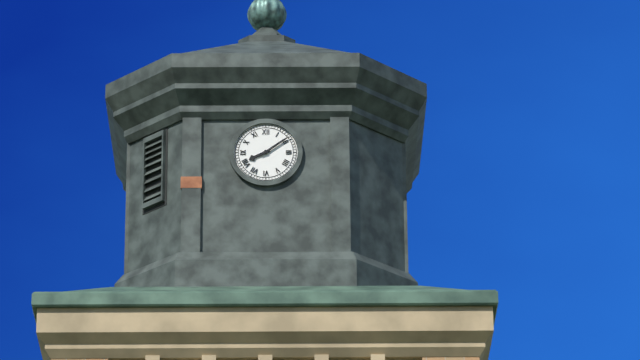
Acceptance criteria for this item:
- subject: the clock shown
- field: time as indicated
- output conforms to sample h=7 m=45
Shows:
h=8 m=9
